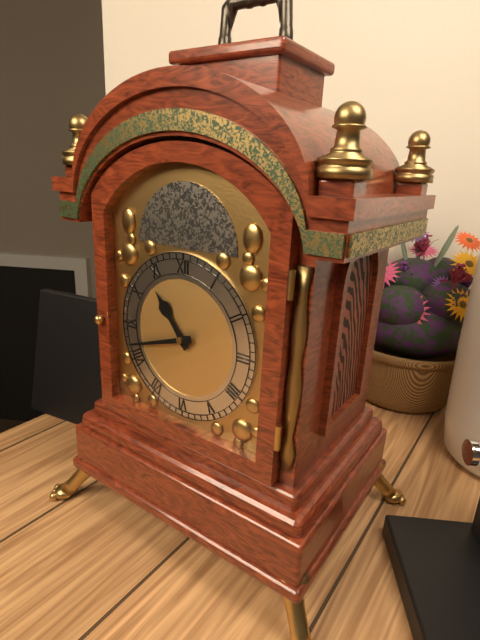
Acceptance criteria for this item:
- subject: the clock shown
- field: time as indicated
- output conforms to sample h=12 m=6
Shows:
h=10 m=42
